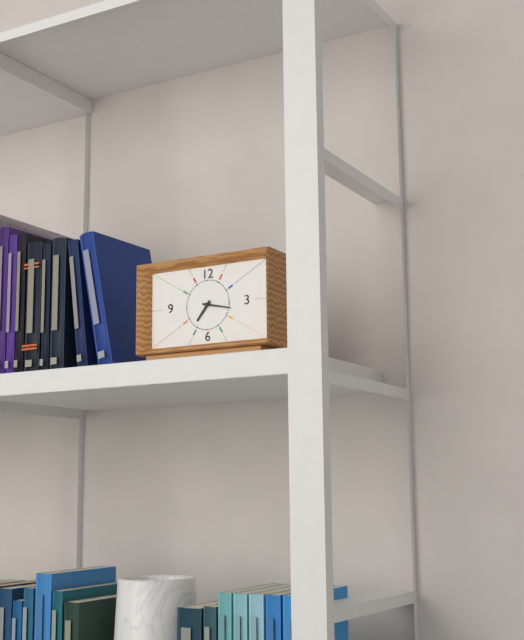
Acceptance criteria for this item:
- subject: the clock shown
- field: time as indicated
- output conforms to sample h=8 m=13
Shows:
h=7 m=17
